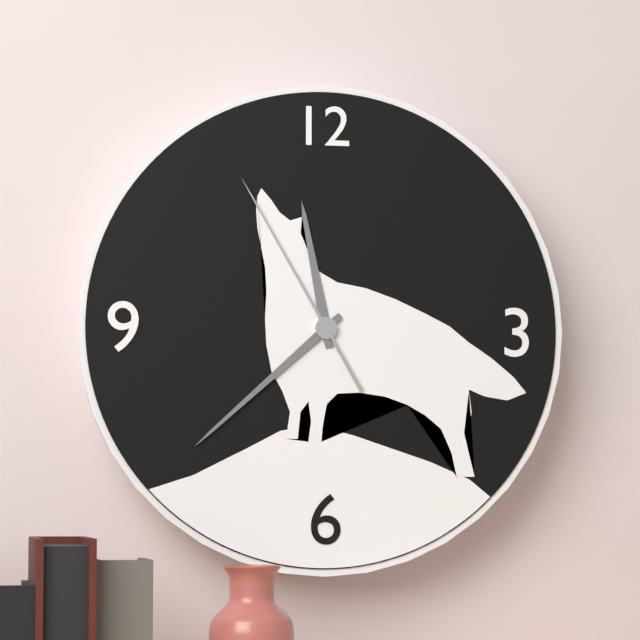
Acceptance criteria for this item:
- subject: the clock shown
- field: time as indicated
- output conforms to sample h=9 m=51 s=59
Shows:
h=11 m=38 s=55
